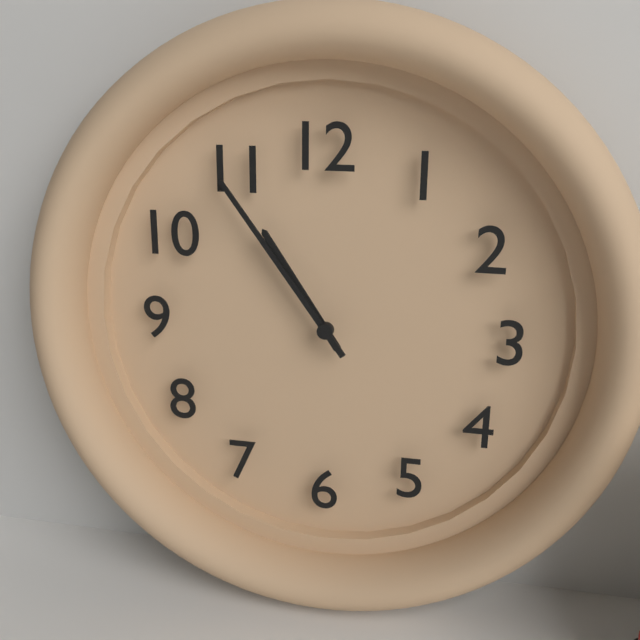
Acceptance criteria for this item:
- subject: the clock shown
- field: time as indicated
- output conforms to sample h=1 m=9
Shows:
h=10 m=54
